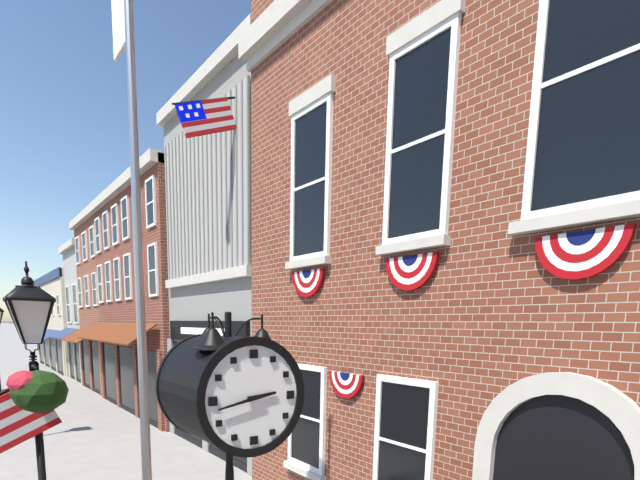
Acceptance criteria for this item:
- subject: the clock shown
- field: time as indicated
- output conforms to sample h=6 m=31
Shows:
h=2 m=43
